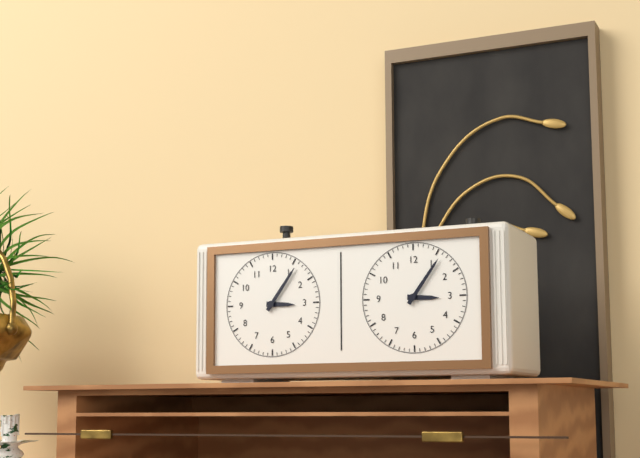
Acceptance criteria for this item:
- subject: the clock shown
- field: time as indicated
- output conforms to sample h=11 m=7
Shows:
h=3 m=6
